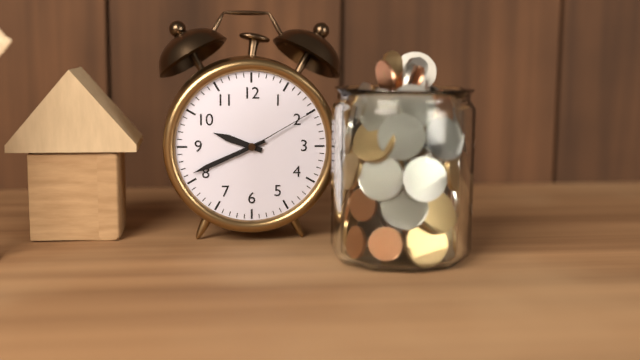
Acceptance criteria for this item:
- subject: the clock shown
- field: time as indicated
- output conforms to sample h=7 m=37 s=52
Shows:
h=9 m=41 s=10
